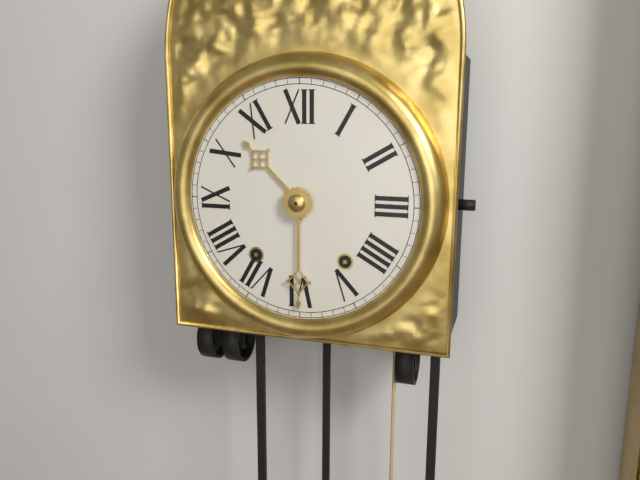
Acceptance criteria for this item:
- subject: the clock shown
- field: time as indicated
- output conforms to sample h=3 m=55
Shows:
h=10 m=30
